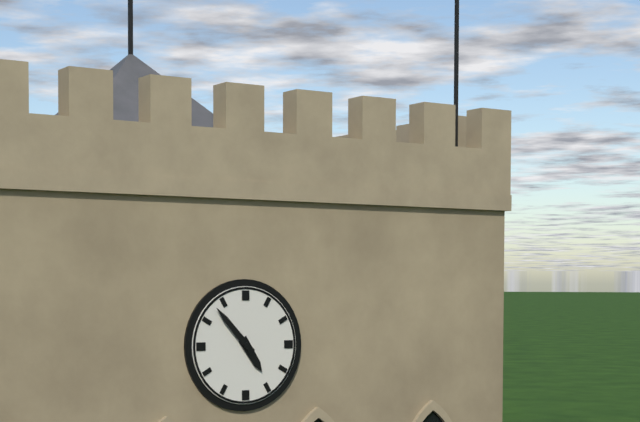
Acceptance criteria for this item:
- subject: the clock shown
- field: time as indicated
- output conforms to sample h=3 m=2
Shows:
h=4 m=53
